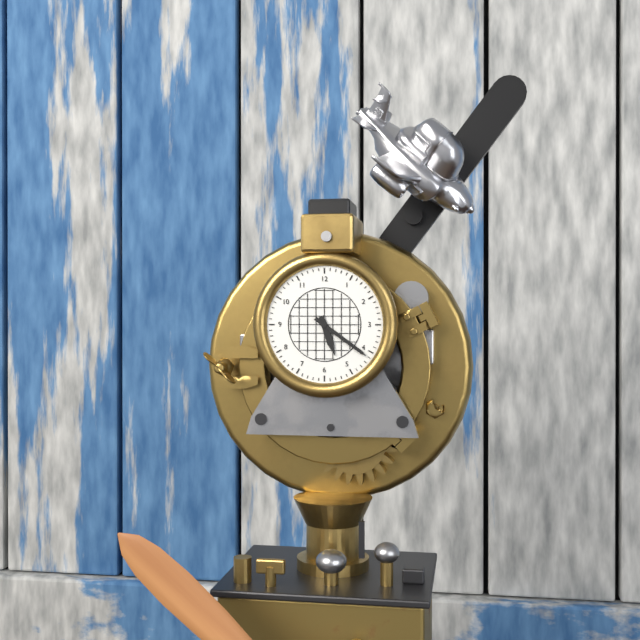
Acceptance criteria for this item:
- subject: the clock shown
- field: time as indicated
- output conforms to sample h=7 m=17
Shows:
h=5 m=21
